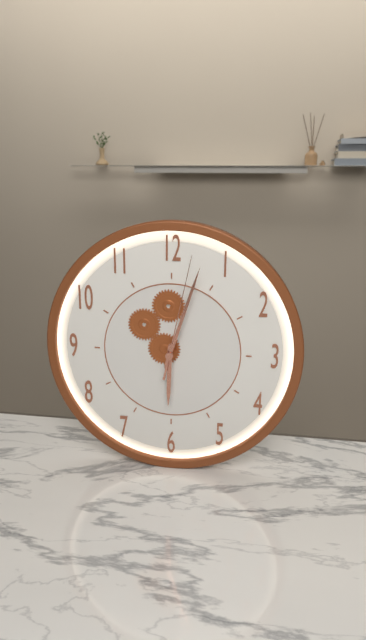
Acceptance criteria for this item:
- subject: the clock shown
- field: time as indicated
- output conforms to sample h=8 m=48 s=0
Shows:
h=6 m=3 s=2
